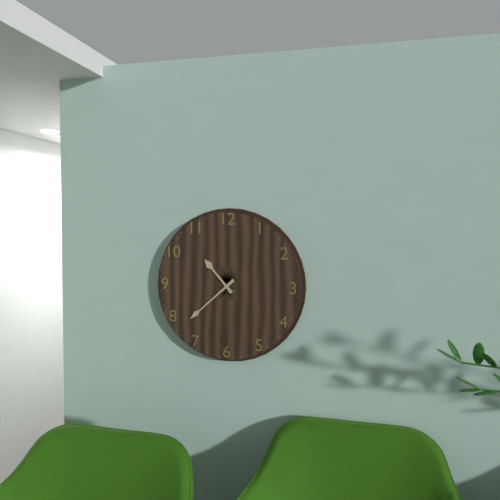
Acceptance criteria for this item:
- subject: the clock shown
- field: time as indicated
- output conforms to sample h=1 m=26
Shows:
h=10 m=38
